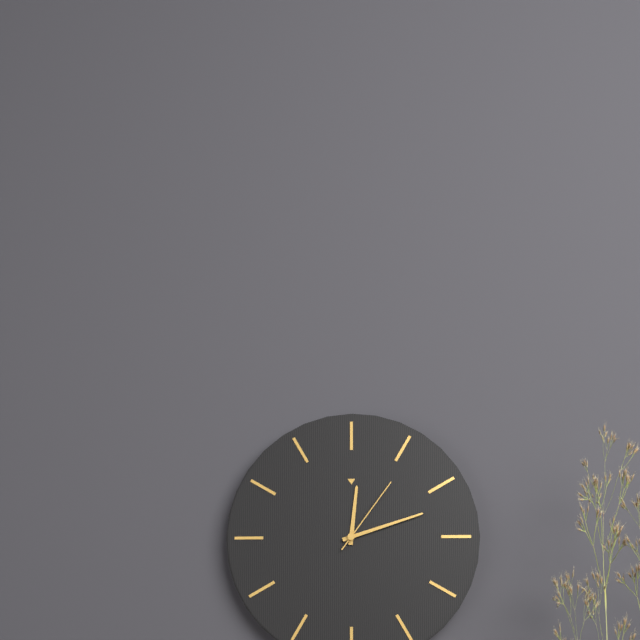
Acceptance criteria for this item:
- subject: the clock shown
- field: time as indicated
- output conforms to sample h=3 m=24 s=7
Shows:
h=12 m=12 s=6
